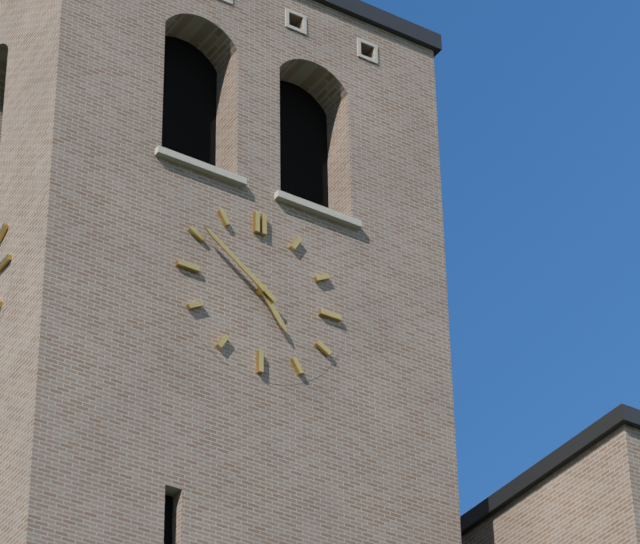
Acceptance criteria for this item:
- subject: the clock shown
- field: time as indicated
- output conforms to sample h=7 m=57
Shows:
h=4 m=51
